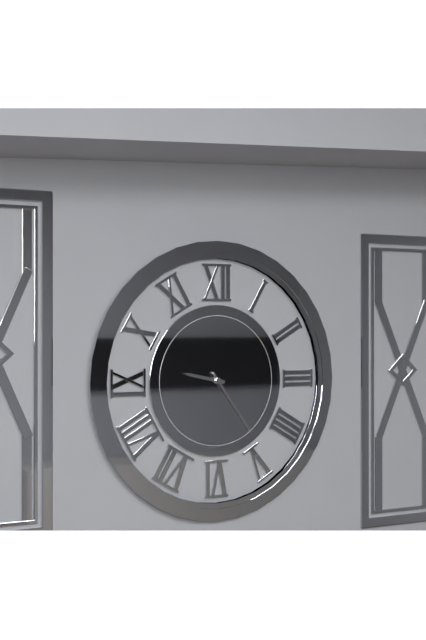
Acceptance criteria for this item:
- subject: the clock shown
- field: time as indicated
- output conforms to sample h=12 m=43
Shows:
h=9 m=24
